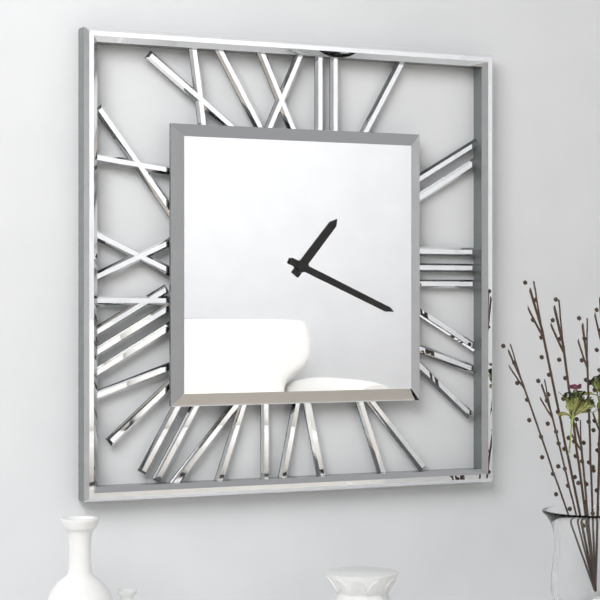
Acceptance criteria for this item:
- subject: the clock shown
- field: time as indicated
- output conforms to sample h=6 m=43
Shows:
h=1 m=19
